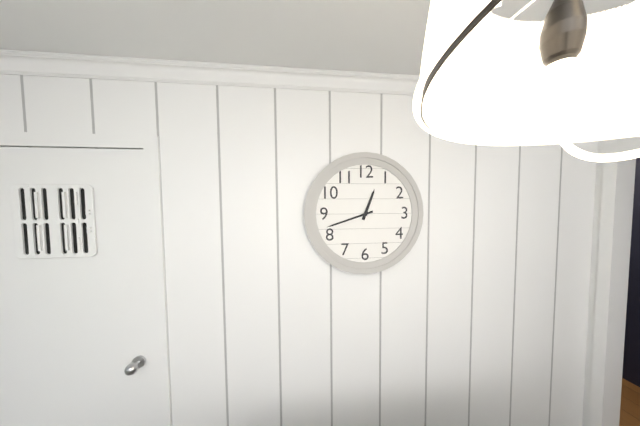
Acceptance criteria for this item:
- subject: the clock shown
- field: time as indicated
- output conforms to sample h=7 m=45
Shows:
h=12 m=42
